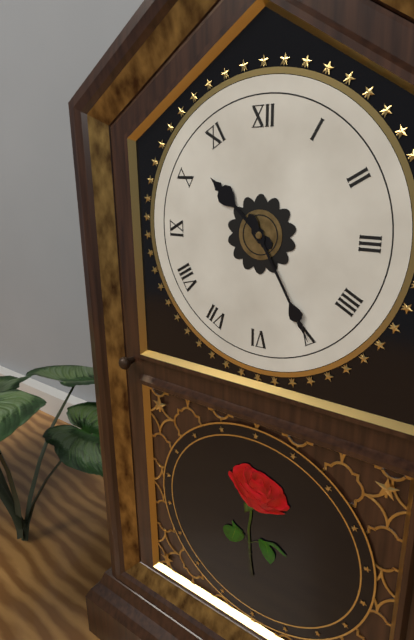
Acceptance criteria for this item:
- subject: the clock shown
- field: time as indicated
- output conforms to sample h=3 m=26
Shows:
h=10 m=25
